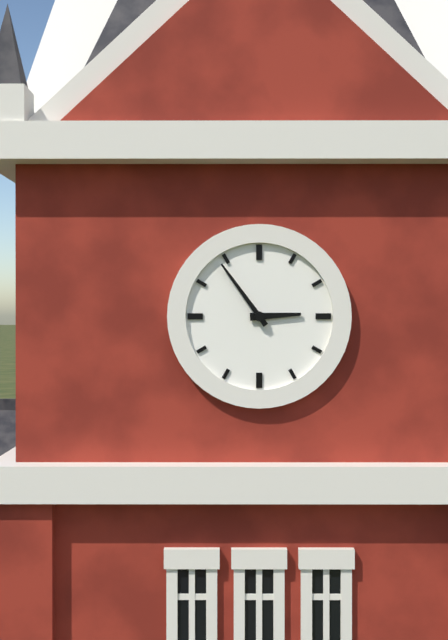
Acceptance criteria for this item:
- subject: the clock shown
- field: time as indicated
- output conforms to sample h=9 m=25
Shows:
h=2 m=54
